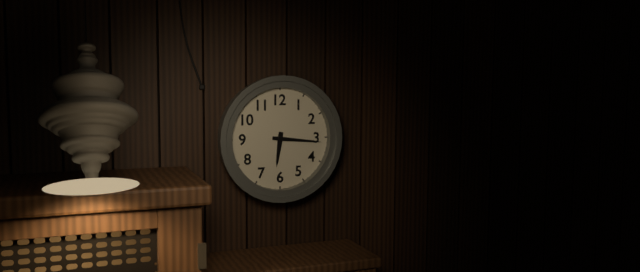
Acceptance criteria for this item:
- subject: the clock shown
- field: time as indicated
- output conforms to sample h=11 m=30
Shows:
h=6 m=16
